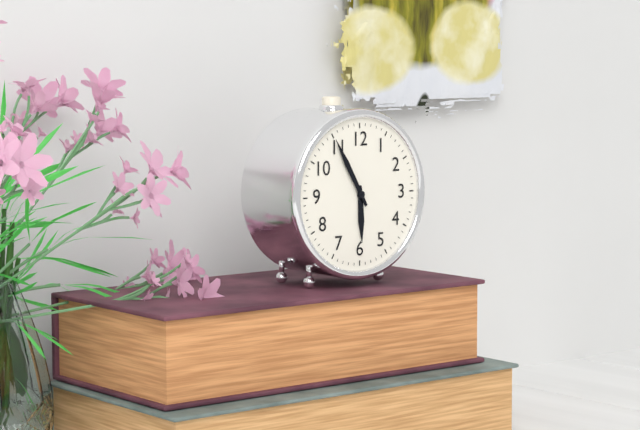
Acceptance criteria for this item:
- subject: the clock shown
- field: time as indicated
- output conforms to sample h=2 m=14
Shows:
h=5 m=55
